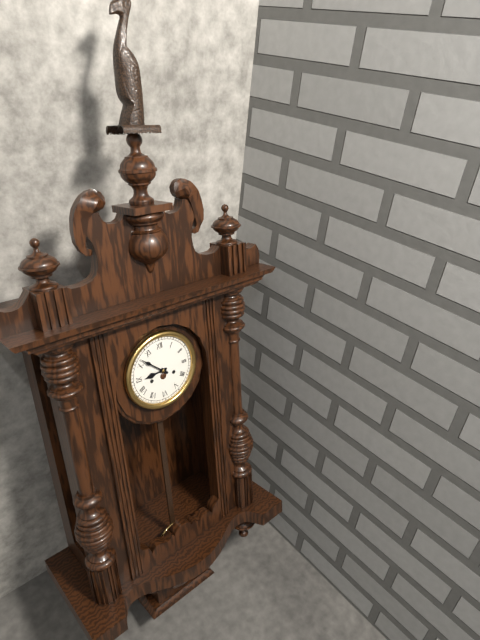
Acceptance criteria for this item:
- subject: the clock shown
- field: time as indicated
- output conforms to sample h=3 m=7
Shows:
h=8 m=52
